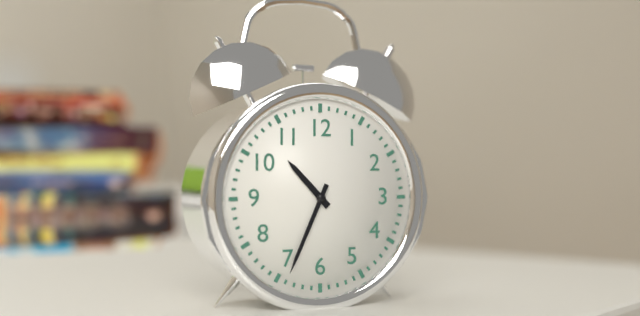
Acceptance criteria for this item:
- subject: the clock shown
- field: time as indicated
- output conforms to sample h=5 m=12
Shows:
h=10 m=34
